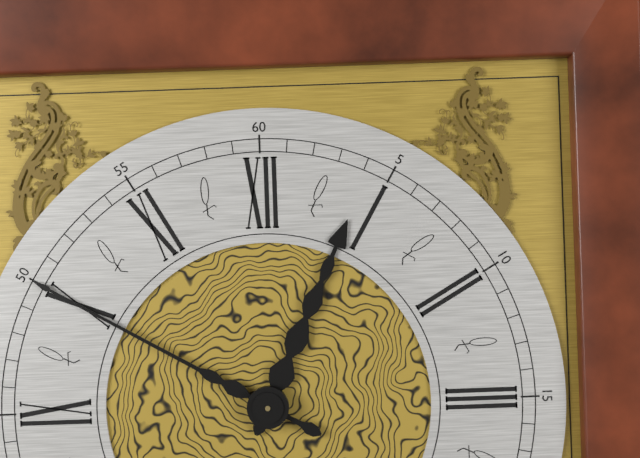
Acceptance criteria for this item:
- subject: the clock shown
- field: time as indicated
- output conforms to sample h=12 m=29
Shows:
h=12 m=50
